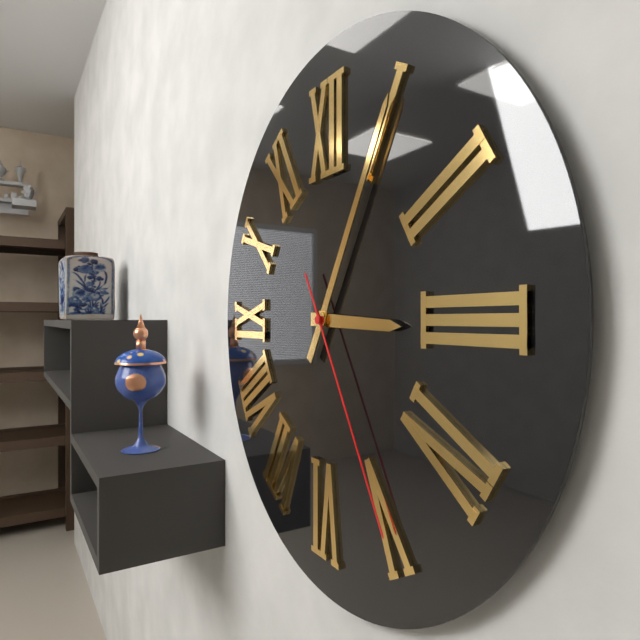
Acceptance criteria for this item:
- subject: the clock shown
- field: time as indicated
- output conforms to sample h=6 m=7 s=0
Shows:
h=3 m=5 s=25
